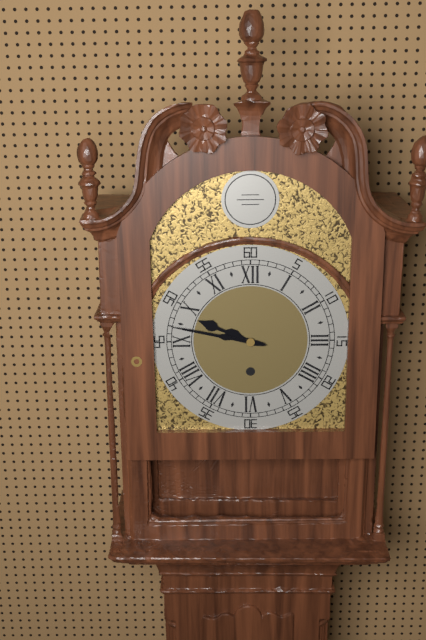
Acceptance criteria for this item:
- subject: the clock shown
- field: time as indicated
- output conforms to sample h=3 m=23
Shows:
h=9 m=47
